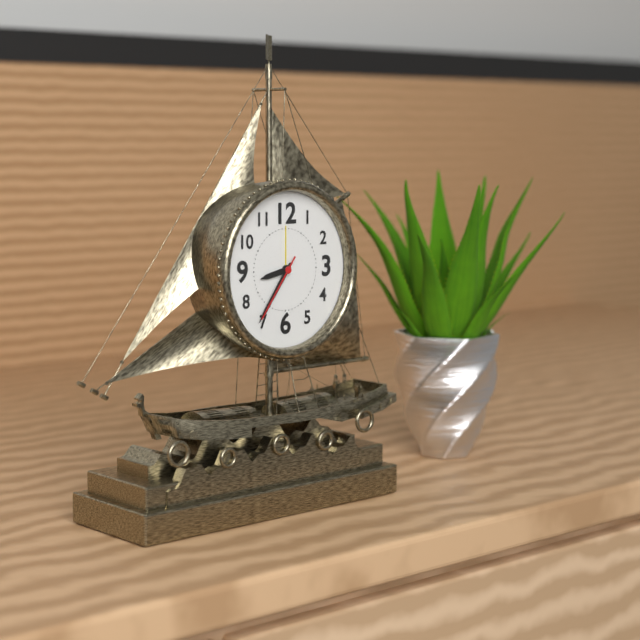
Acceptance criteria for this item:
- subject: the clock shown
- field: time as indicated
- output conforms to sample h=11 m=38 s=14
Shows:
h=8 m=36 s=36
